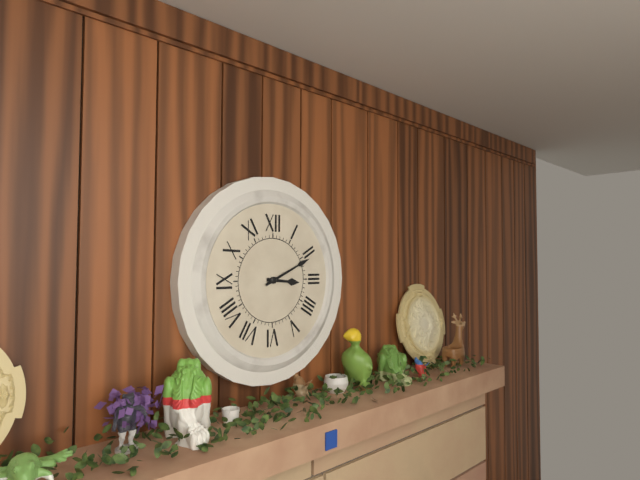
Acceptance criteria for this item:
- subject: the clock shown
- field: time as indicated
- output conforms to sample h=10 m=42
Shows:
h=3 m=11
